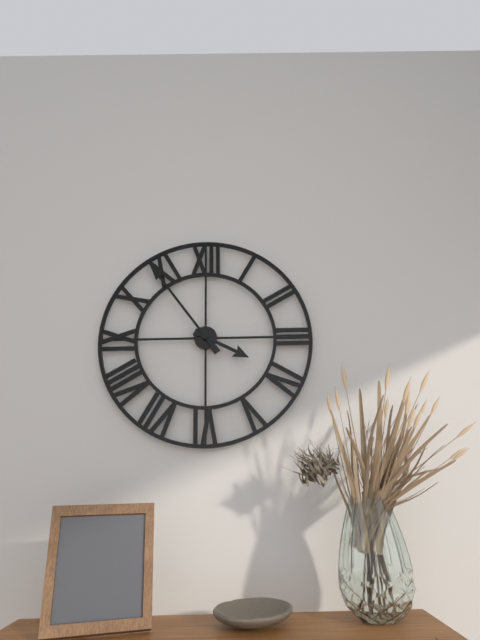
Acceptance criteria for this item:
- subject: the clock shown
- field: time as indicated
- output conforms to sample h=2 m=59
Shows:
h=3 m=54
